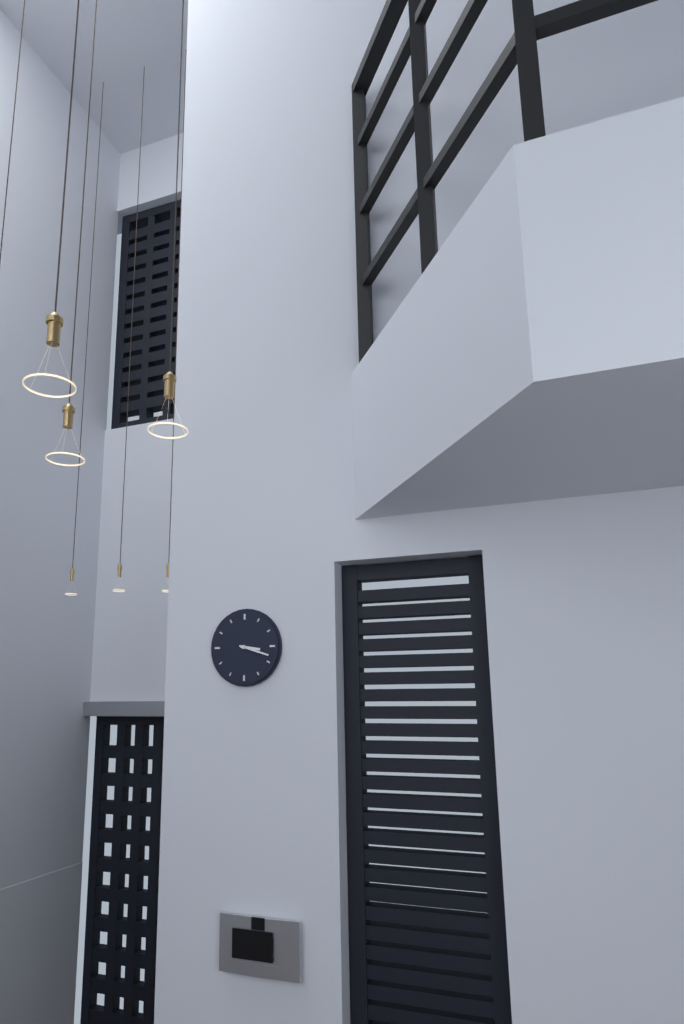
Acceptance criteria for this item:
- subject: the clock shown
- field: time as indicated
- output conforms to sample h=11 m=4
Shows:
h=3 m=18
